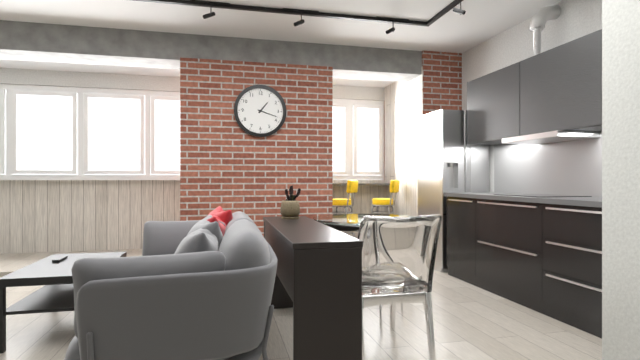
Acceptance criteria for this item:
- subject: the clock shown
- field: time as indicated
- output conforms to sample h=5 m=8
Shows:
h=1 m=18
